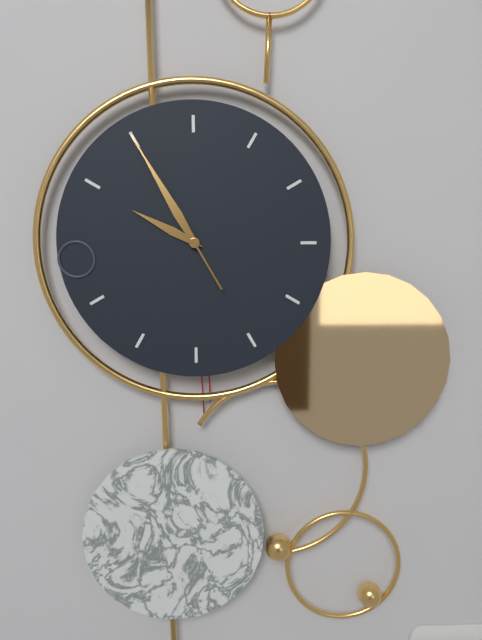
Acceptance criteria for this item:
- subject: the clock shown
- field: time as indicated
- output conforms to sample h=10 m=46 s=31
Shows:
h=9 m=55 s=55
